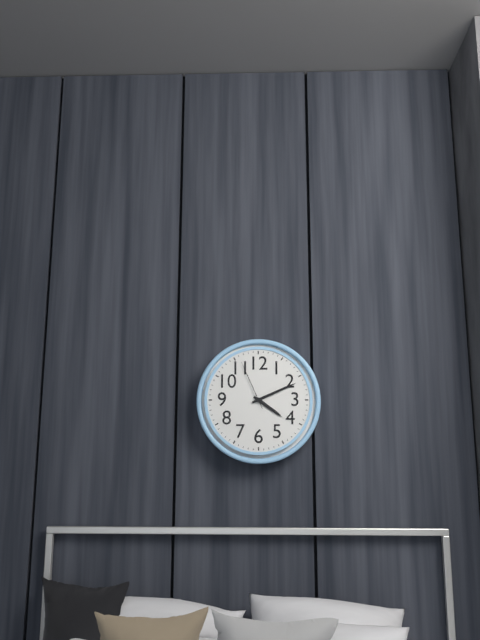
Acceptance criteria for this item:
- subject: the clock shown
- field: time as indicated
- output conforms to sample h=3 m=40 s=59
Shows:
h=4 m=11 s=56
